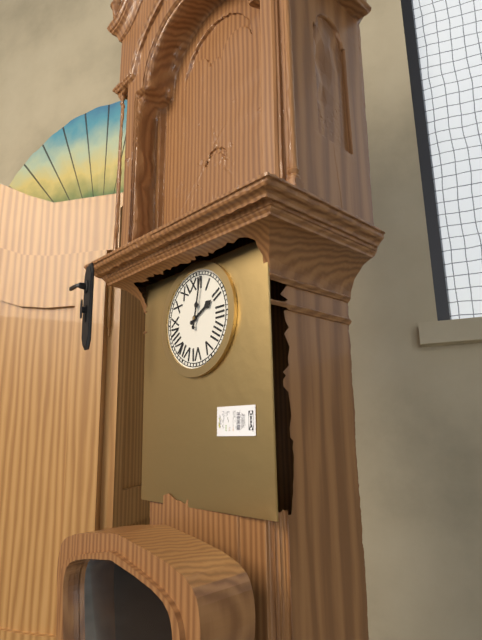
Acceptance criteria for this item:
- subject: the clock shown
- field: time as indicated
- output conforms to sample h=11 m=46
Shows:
h=2 m=2
